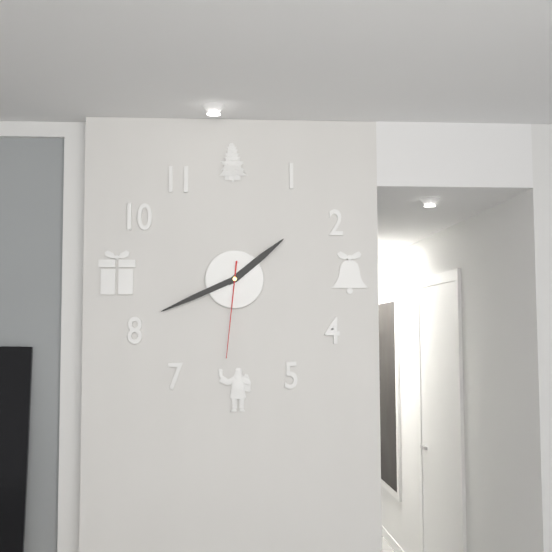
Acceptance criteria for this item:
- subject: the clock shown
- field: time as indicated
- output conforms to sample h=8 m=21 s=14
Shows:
h=1 m=41 s=31
